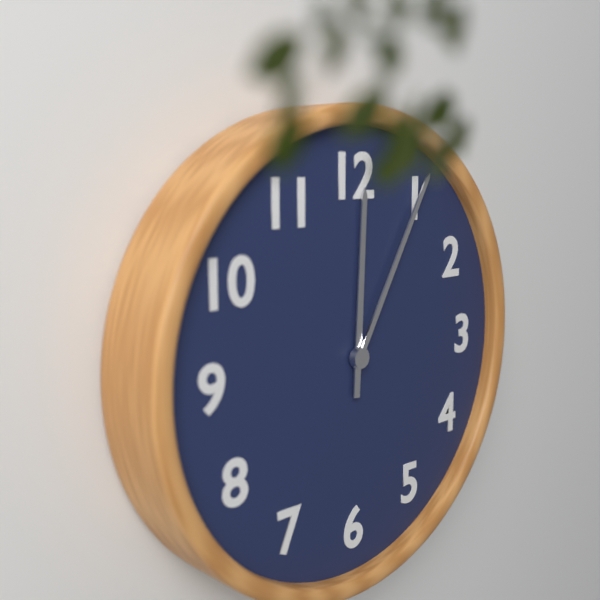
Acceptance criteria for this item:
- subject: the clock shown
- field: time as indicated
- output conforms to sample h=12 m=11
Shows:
h=12 m=5
